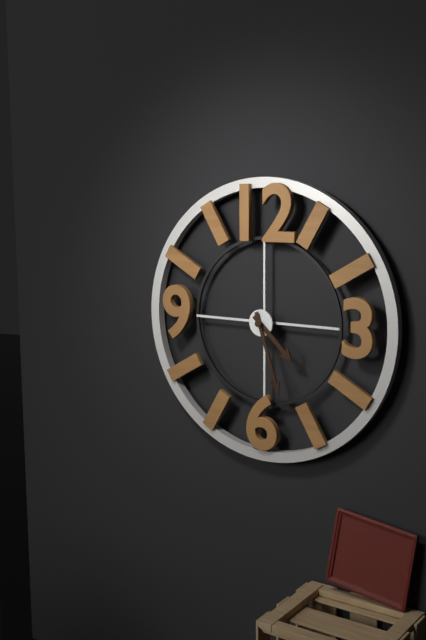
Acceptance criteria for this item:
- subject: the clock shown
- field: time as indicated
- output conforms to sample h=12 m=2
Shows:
h=4 m=27
